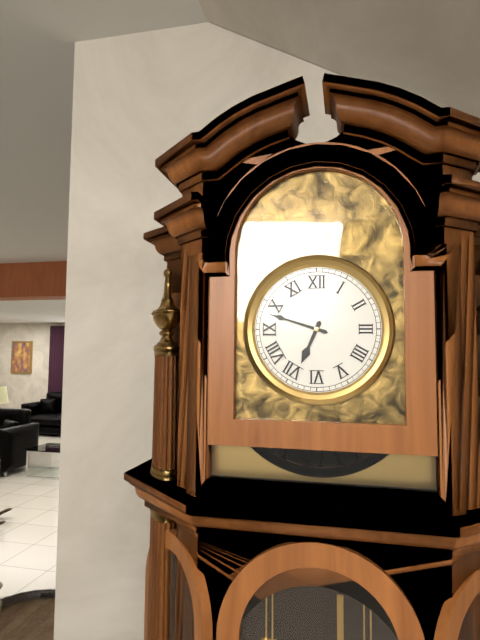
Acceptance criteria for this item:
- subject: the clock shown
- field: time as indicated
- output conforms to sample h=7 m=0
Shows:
h=6 m=48
